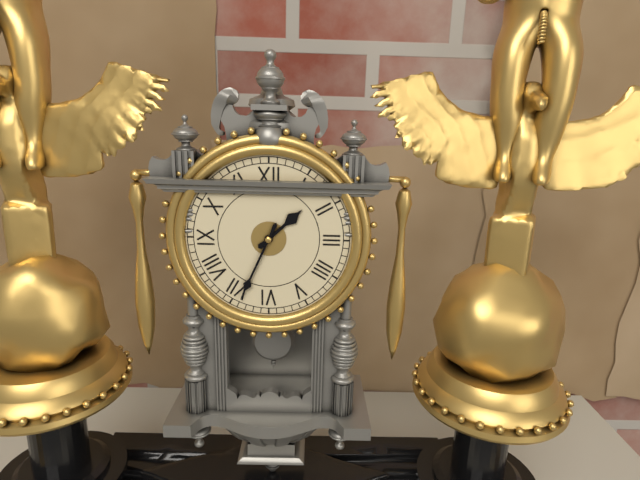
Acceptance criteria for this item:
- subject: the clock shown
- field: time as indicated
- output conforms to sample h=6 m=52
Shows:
h=1 m=34
